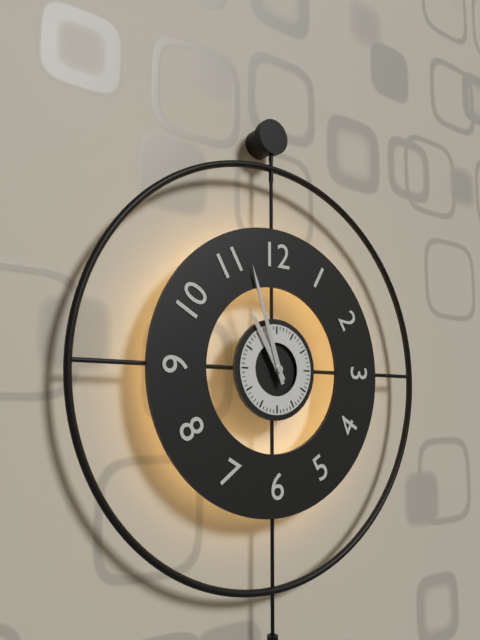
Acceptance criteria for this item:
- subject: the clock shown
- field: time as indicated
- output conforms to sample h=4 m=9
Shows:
h=10 m=57
